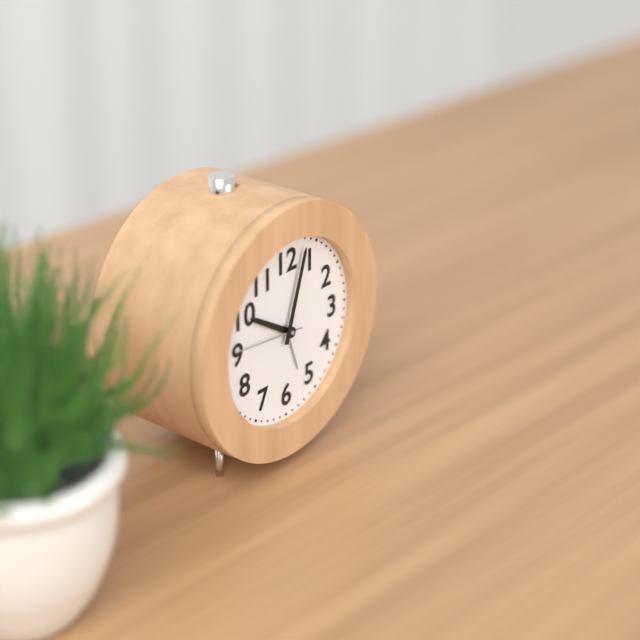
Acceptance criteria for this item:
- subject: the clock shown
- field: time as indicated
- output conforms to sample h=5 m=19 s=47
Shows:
h=10 m=3 s=46
